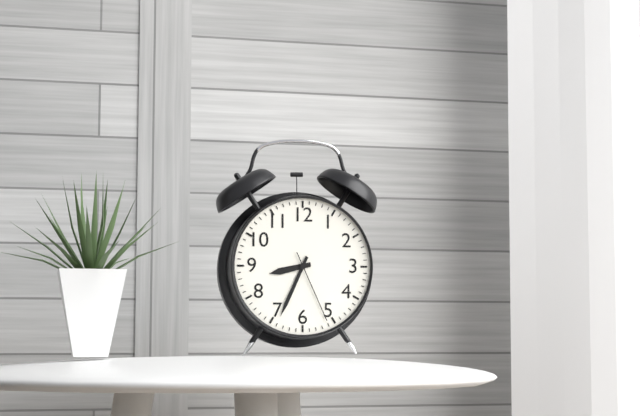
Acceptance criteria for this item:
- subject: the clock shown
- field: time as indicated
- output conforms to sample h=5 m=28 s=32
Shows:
h=8 m=34 s=26
